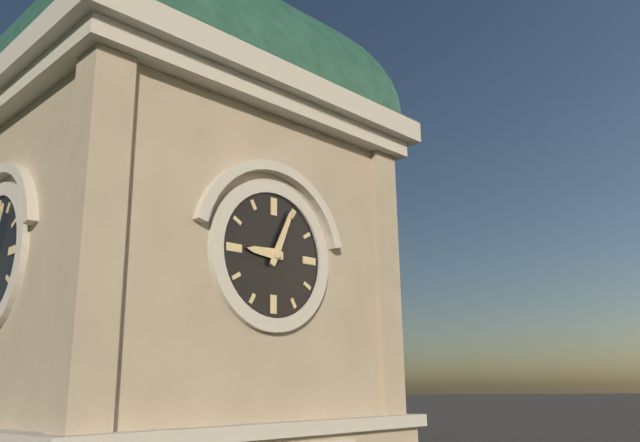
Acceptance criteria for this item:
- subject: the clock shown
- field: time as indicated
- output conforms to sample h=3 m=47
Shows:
h=9 m=4
